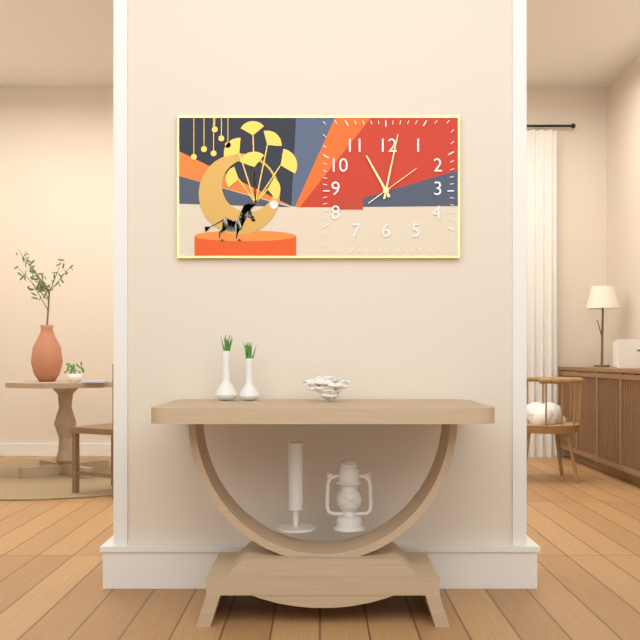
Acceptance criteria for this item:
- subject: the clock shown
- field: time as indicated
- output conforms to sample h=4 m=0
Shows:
h=11 m=2
